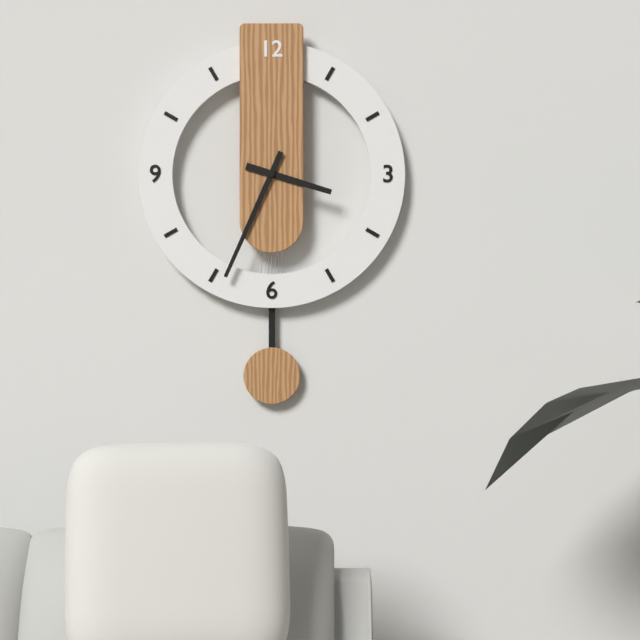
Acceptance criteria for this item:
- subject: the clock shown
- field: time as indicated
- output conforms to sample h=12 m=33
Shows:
h=3 m=34
